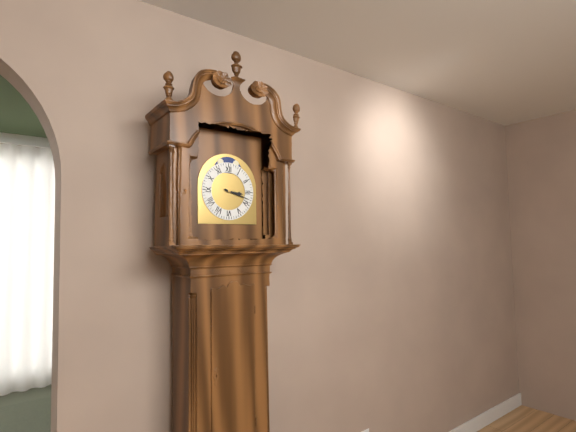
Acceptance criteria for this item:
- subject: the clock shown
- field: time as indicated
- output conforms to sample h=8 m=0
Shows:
h=3 m=18
